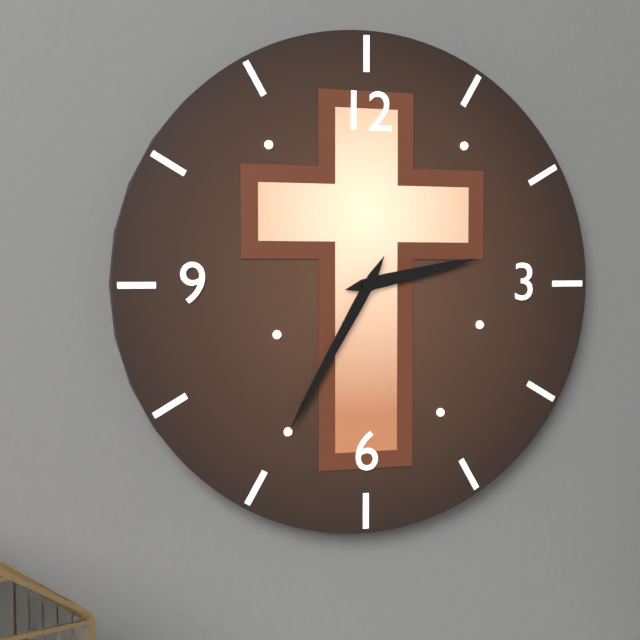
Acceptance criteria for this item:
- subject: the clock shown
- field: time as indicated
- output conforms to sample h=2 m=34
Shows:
h=2 m=35
